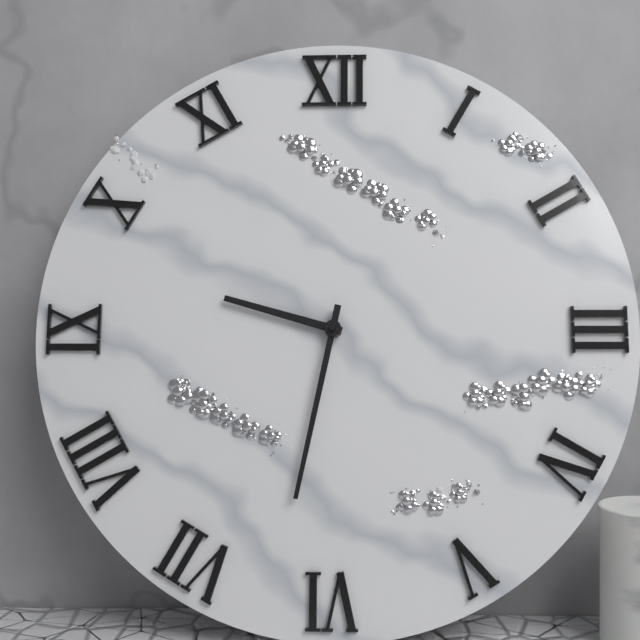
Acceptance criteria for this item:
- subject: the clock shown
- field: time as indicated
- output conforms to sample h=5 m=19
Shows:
h=9 m=32
